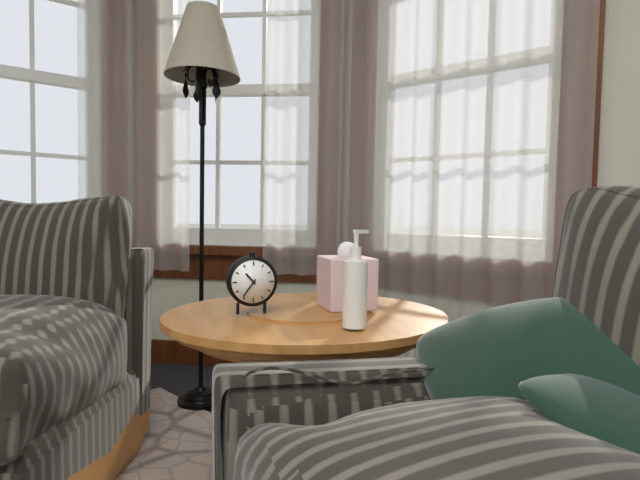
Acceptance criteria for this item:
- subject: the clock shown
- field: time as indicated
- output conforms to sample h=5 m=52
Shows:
h=10 m=36
